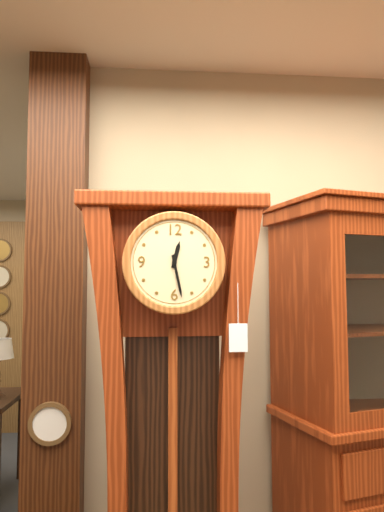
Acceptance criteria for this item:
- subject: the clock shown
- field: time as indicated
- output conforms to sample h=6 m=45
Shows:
h=12 m=28
